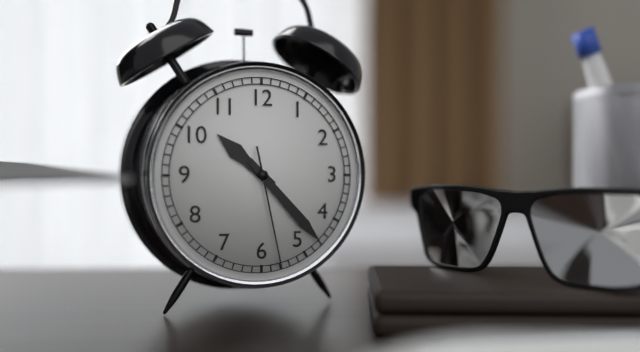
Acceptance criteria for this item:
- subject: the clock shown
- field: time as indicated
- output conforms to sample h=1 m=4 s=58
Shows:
h=10 m=23 s=28
